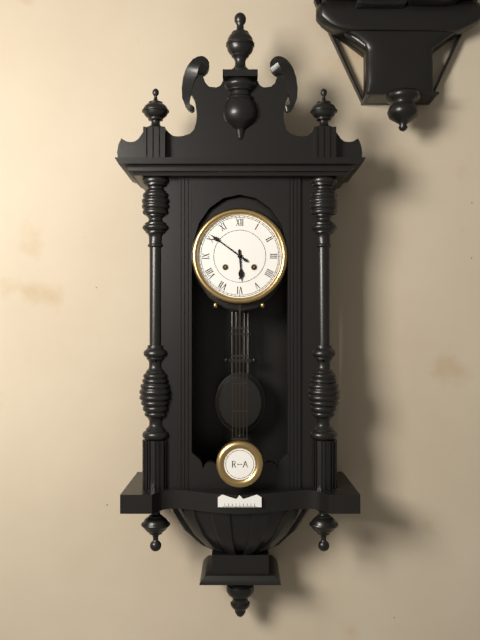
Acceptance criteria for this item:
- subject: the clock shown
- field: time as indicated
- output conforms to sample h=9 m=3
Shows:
h=5 m=51
